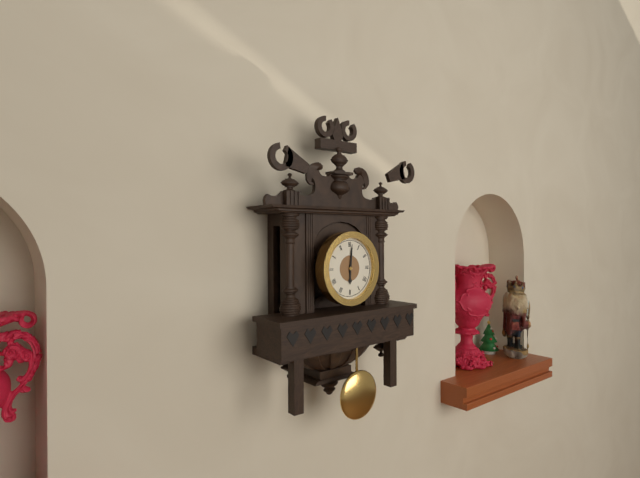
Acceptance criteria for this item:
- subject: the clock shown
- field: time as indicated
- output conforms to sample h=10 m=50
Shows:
h=6 m=1
